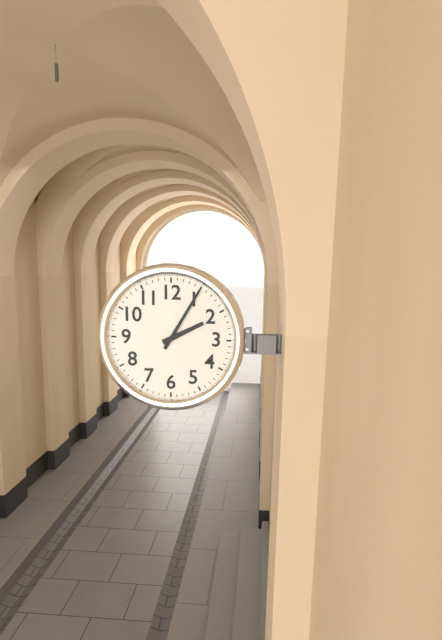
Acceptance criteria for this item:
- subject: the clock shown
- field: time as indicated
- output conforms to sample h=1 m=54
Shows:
h=2 m=5
